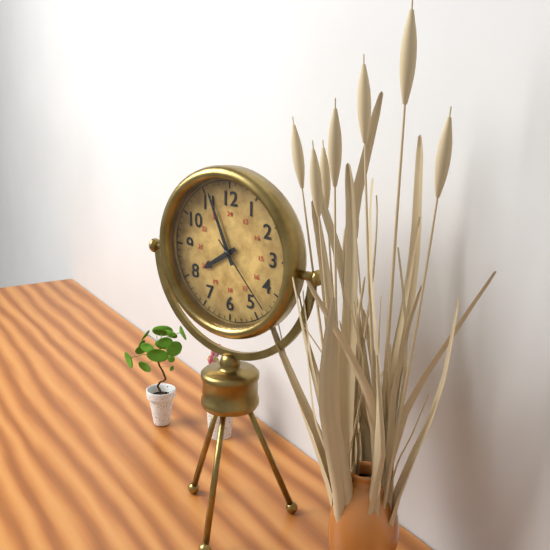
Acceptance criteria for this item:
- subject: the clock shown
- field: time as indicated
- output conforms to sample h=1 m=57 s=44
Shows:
h=7 m=56 s=23
